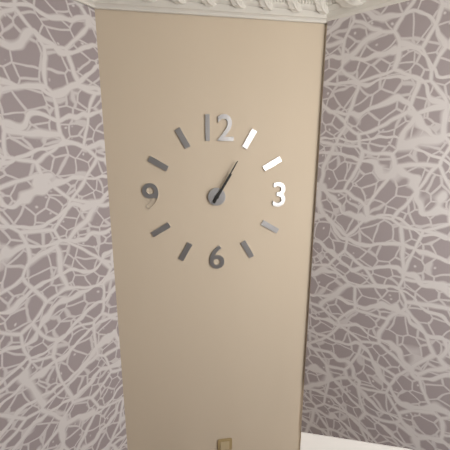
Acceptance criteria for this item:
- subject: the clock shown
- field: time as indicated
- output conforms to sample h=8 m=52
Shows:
h=1 m=5
